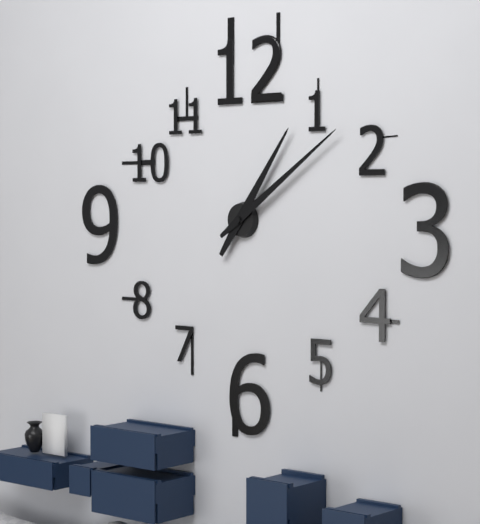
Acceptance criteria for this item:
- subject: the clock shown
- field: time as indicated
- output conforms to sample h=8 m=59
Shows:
h=1 m=9
